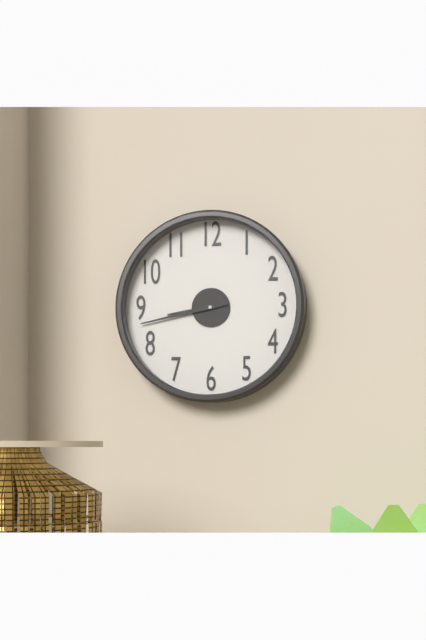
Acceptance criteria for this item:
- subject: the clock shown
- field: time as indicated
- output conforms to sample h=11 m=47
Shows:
h=8 m=43
